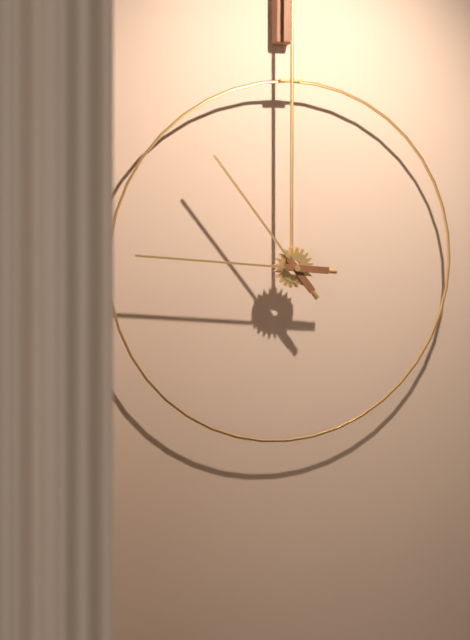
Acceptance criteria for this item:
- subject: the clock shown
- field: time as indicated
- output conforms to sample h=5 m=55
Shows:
h=10 m=46
